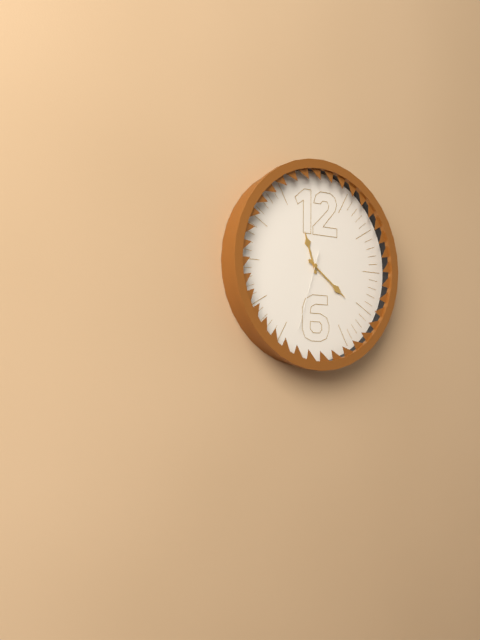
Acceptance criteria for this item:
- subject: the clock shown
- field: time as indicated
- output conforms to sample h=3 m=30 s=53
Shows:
h=11 m=21 s=33
